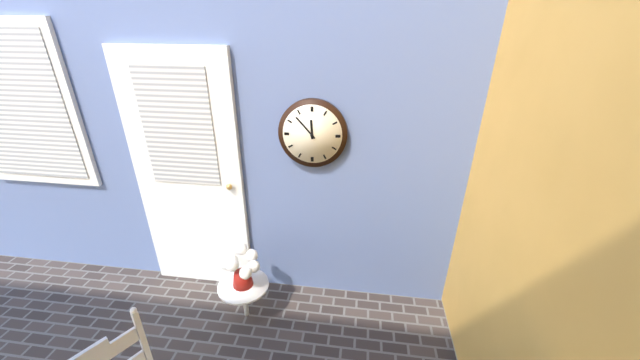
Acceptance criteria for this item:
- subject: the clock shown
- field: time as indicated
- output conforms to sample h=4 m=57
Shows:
h=11 m=53
